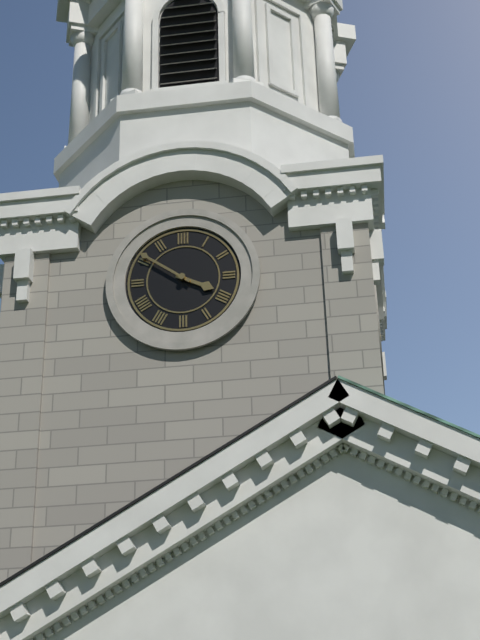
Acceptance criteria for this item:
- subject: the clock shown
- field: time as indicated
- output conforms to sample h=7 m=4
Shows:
h=3 m=51
